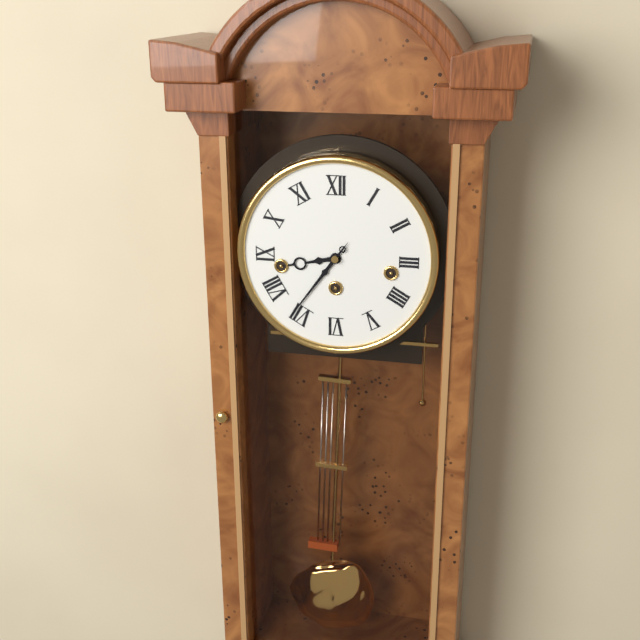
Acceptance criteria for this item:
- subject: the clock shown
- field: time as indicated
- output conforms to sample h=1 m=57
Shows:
h=8 m=36
